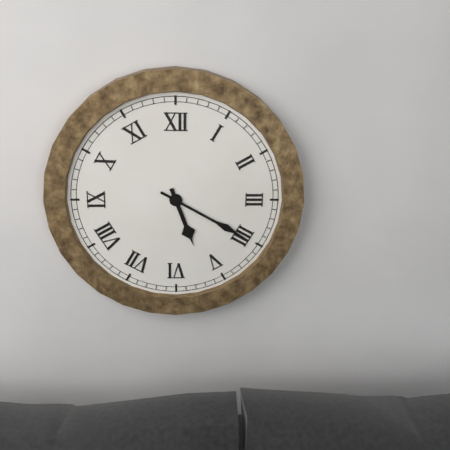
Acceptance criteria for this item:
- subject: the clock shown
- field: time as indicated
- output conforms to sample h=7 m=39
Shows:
h=5 m=20
